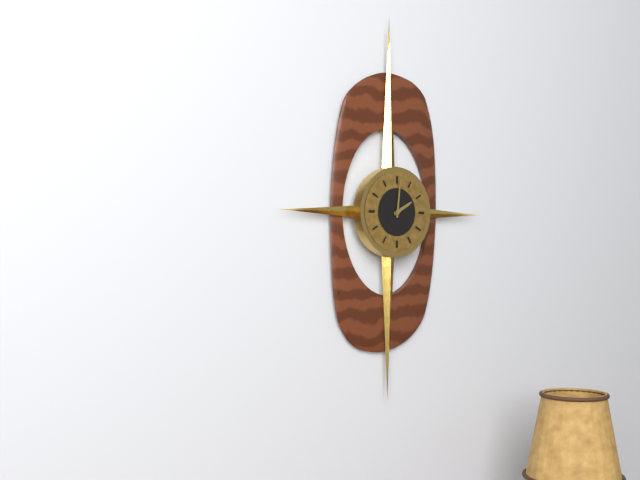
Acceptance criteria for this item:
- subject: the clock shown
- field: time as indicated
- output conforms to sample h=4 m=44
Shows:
h=2 m=1
